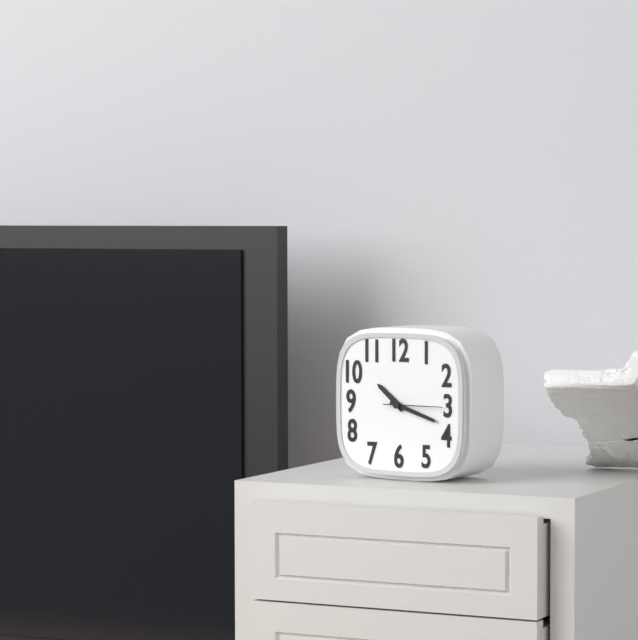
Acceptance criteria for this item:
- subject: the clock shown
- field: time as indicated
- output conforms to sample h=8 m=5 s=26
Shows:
h=10 m=18 s=15
